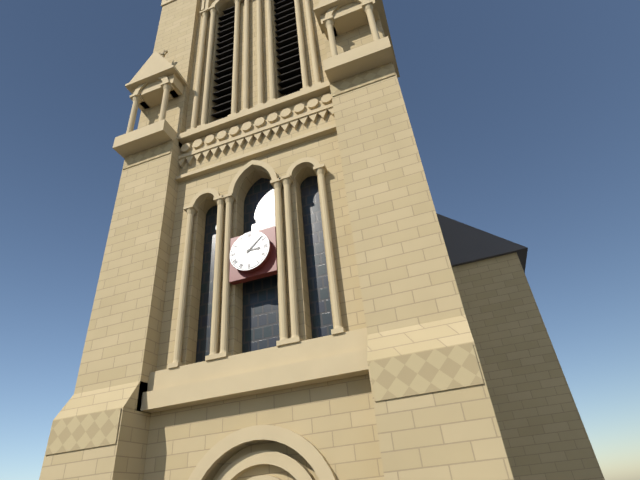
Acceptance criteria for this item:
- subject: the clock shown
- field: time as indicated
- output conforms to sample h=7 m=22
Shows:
h=3 m=8
